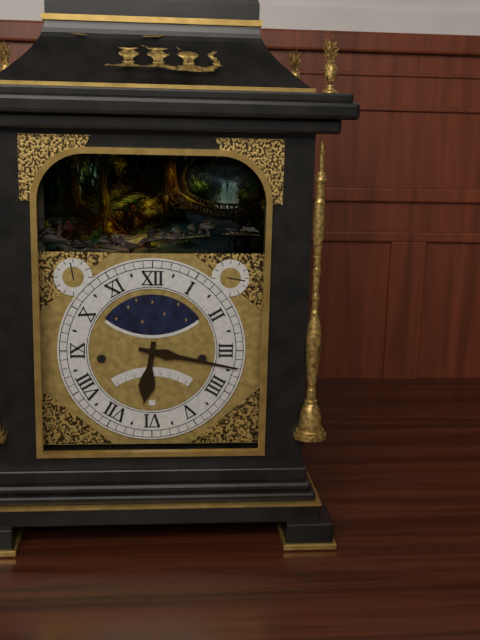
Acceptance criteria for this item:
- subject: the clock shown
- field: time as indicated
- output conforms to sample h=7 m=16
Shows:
h=6 m=17
